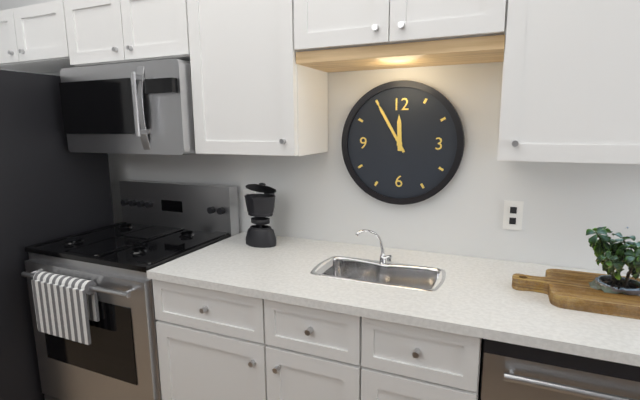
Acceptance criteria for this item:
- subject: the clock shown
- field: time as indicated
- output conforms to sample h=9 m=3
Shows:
h=11 m=55
